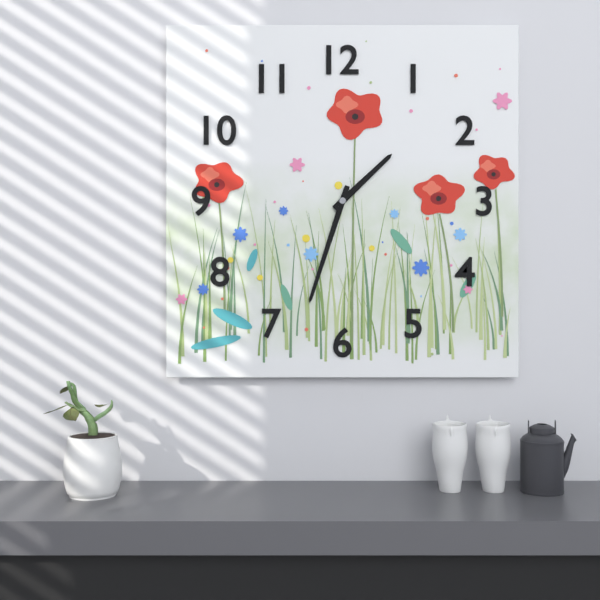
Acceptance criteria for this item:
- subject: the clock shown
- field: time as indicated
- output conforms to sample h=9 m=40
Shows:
h=1 m=33
